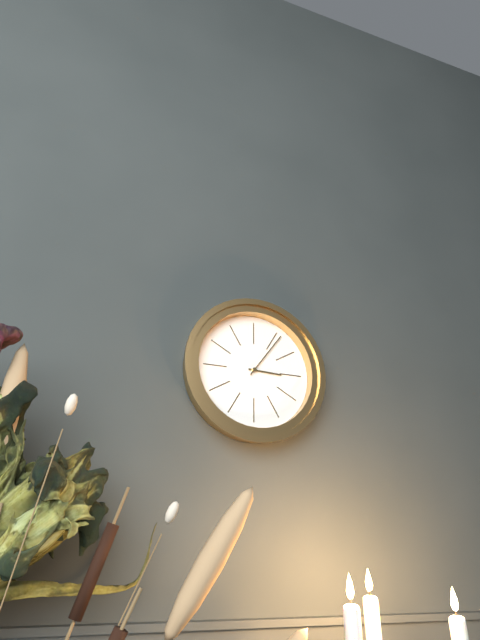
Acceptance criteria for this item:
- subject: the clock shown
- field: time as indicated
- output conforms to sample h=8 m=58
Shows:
h=3 m=6
